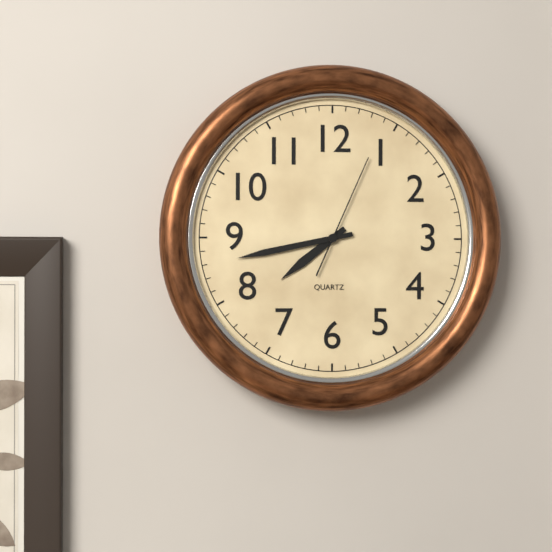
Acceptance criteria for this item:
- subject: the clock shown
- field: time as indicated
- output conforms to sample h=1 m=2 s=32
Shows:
h=7 m=43 s=4
